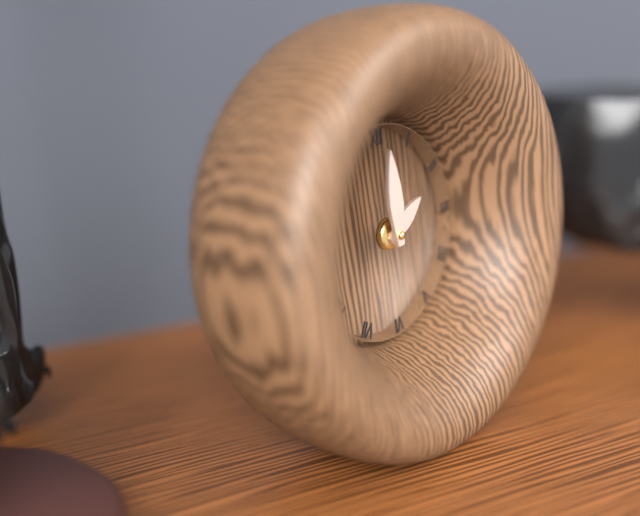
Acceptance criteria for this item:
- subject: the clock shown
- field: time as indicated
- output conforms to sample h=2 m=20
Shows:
h=2 m=0
